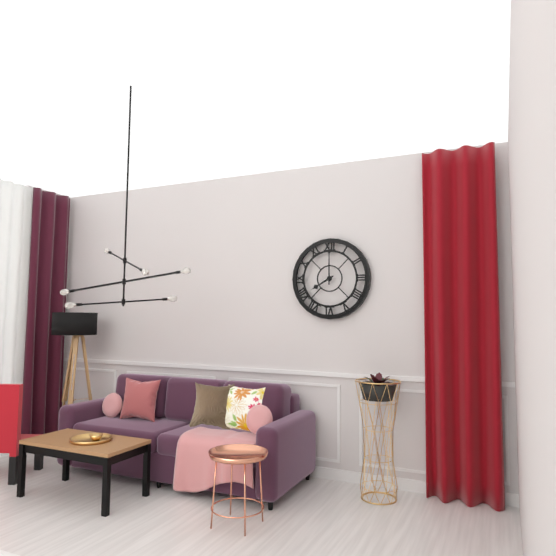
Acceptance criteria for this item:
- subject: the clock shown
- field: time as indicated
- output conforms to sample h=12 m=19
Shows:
h=8 m=0
